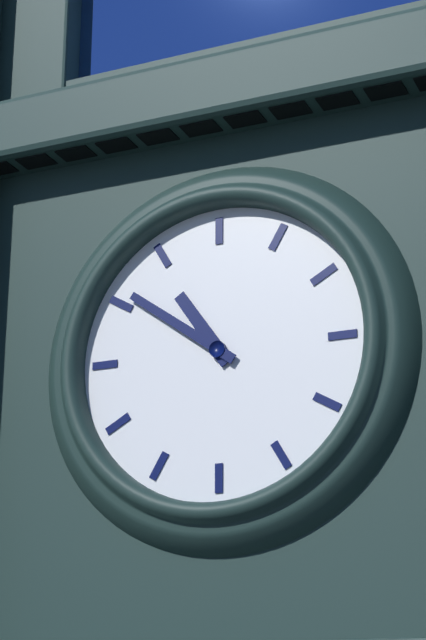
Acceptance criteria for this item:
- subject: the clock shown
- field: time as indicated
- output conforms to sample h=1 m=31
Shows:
h=10 m=51
